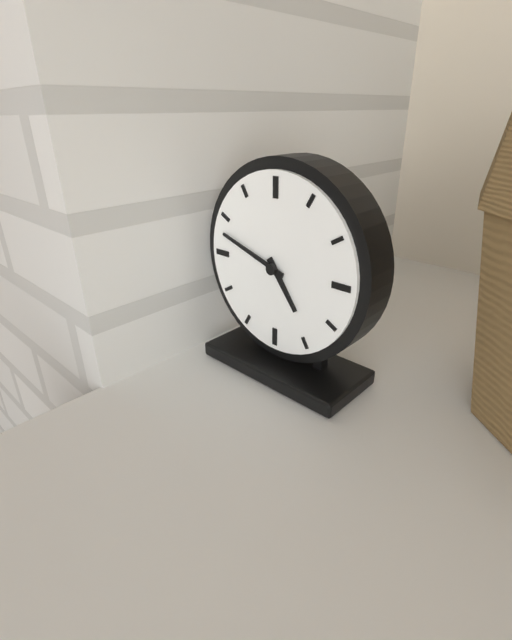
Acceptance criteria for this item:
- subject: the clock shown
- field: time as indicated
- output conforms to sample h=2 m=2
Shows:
h=4 m=48
